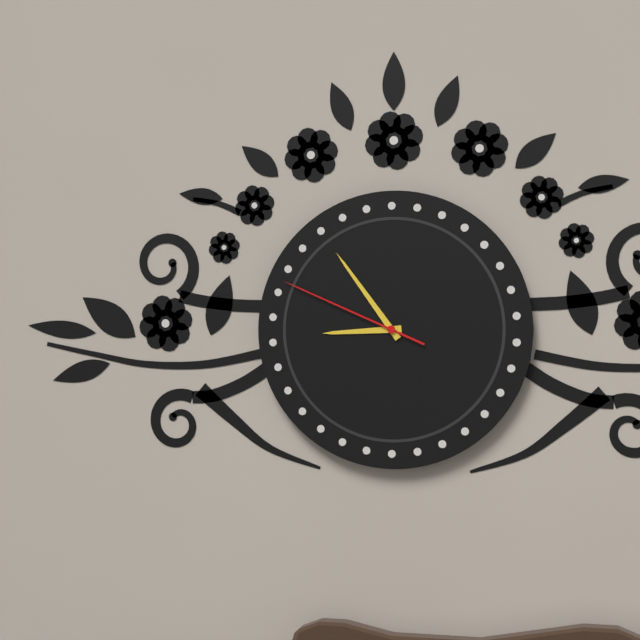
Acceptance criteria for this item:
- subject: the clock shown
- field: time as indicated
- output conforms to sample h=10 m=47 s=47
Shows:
h=8 m=54 s=49
